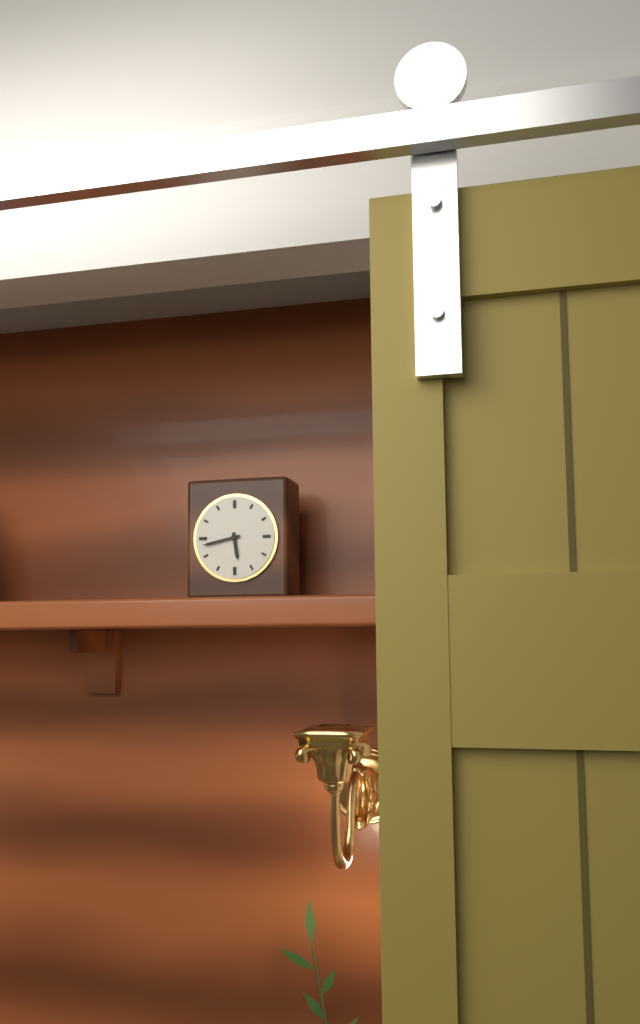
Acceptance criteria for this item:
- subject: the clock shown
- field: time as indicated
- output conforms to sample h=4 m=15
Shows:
h=5 m=43
